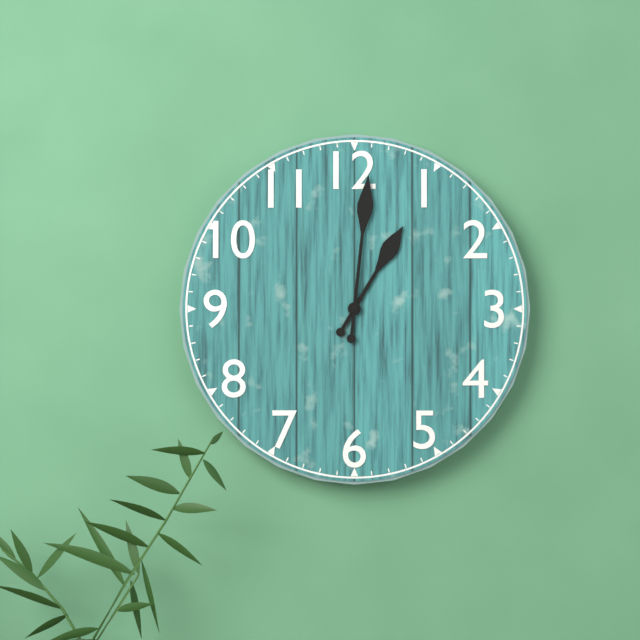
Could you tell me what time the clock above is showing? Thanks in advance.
1:01
